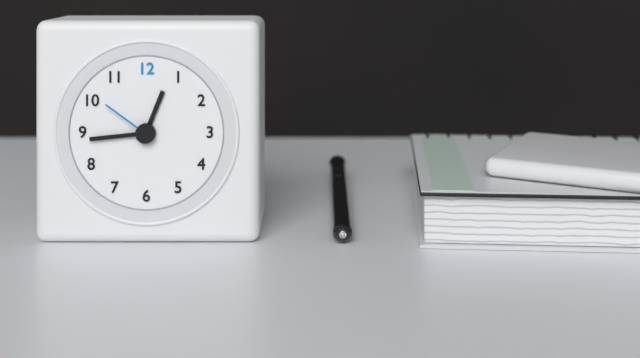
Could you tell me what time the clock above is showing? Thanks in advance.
12:44:51
